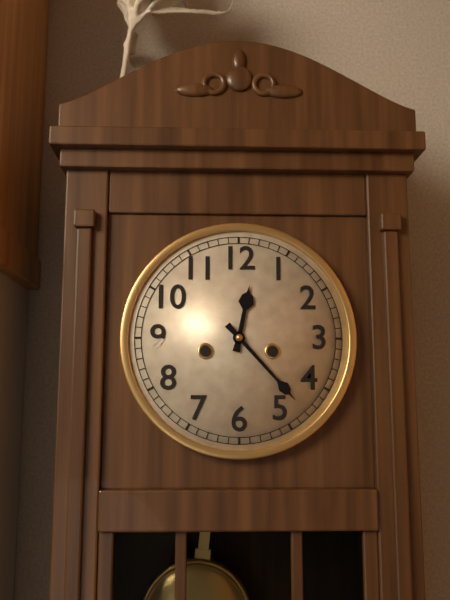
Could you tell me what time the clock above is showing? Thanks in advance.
12:23
